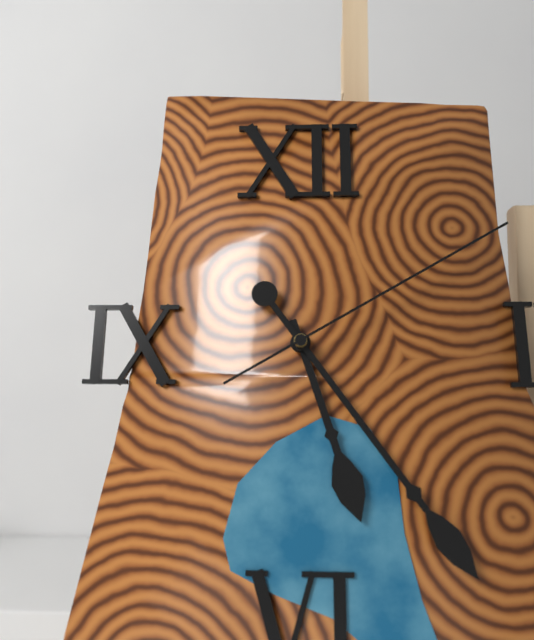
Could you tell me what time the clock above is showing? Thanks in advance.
5:24:10
